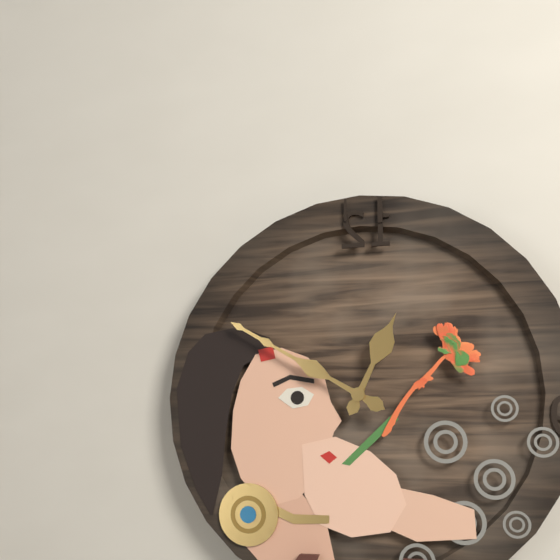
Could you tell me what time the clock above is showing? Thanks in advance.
12:50
